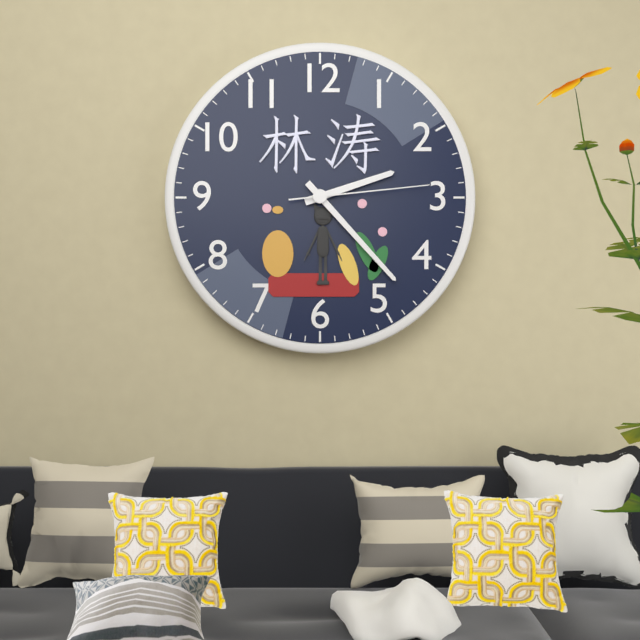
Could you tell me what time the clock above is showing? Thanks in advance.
2:23:14
